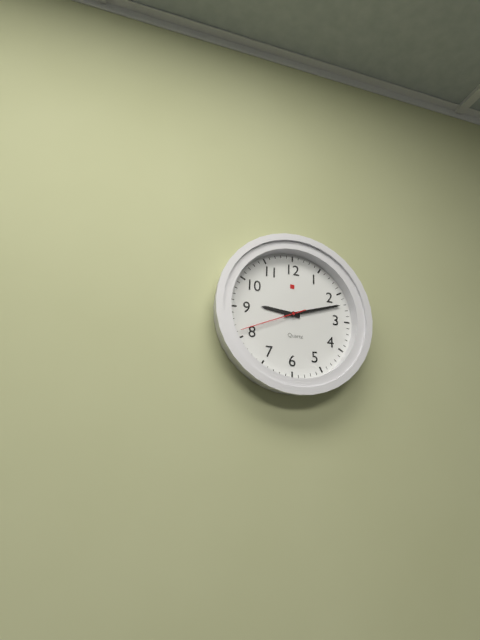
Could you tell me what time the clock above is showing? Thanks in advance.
9:12:41
